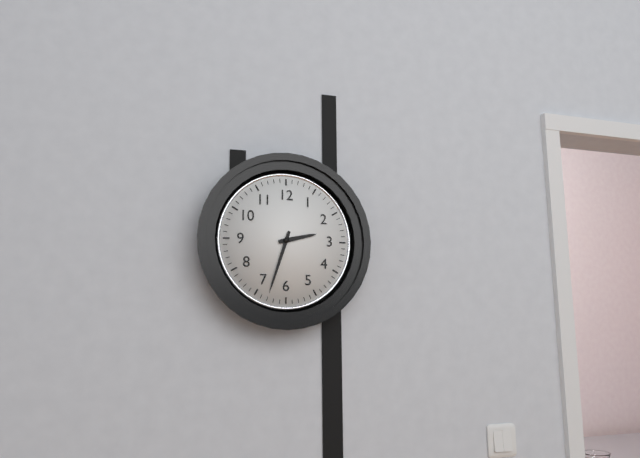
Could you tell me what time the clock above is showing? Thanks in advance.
2:33
